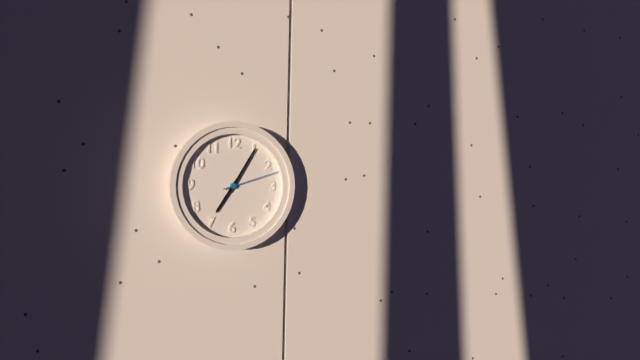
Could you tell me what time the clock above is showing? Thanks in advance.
7:05:12
